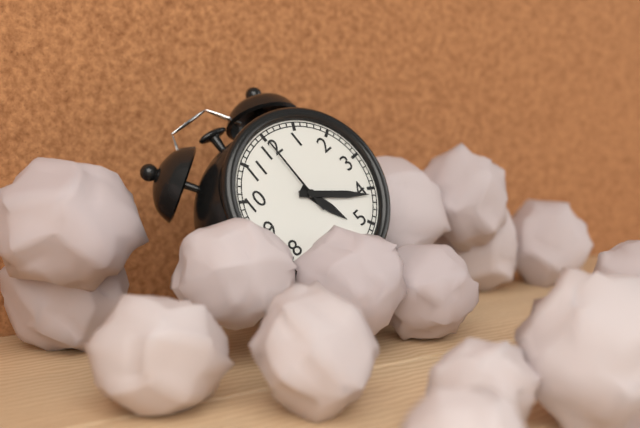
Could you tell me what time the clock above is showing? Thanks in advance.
5:21:00
